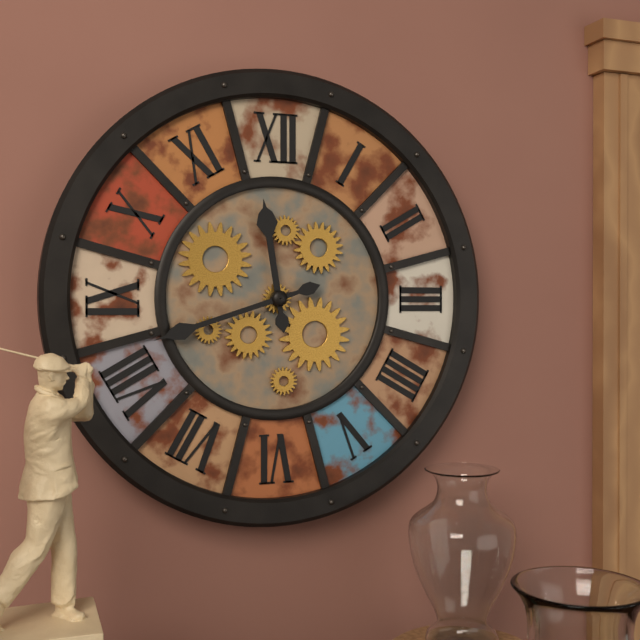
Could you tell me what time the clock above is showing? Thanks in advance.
11:42
